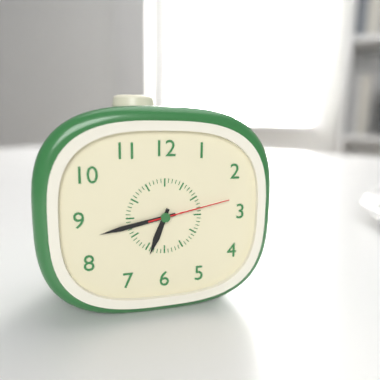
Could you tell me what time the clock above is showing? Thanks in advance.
6:43:13
